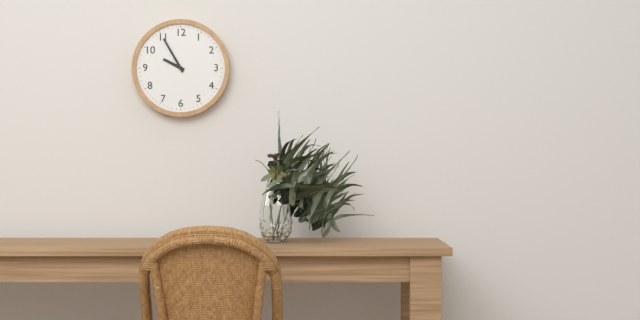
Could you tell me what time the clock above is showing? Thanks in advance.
9:55
